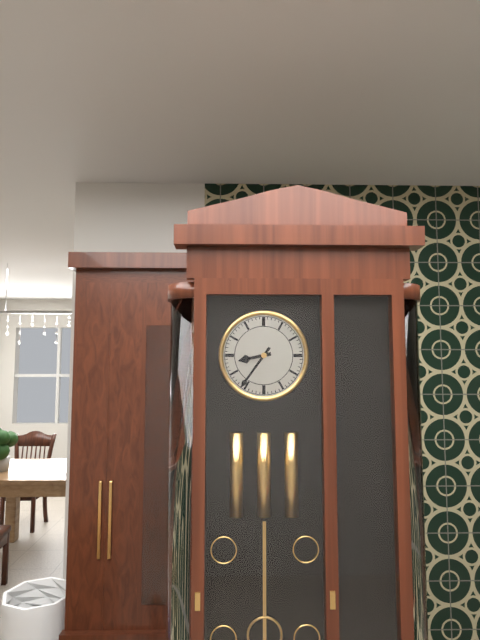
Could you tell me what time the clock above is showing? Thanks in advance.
8:36
